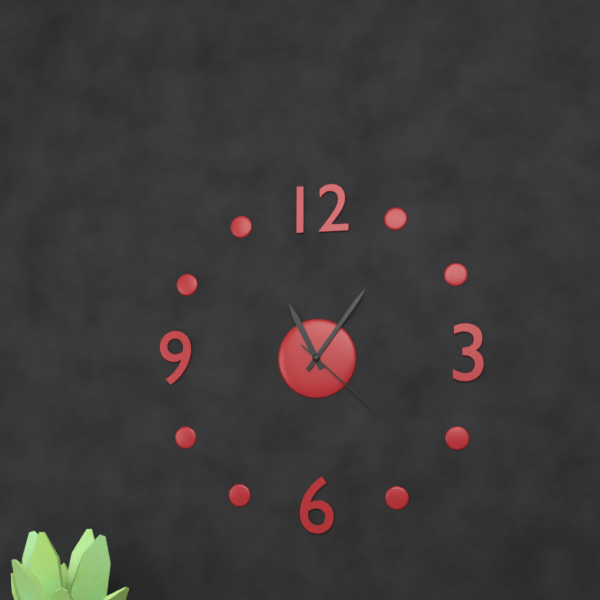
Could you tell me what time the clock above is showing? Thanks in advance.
11:06:22
